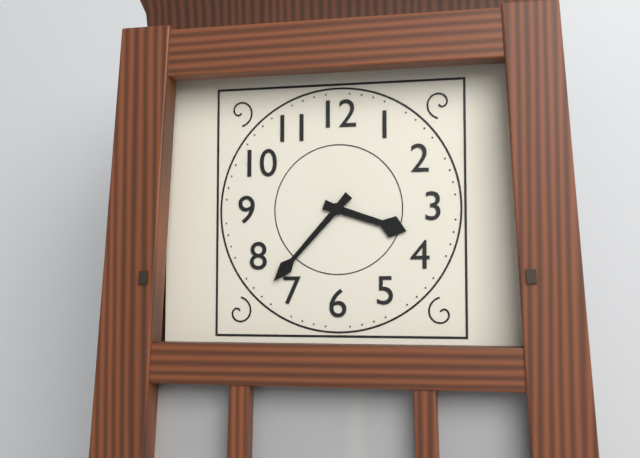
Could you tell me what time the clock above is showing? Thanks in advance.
3:37
